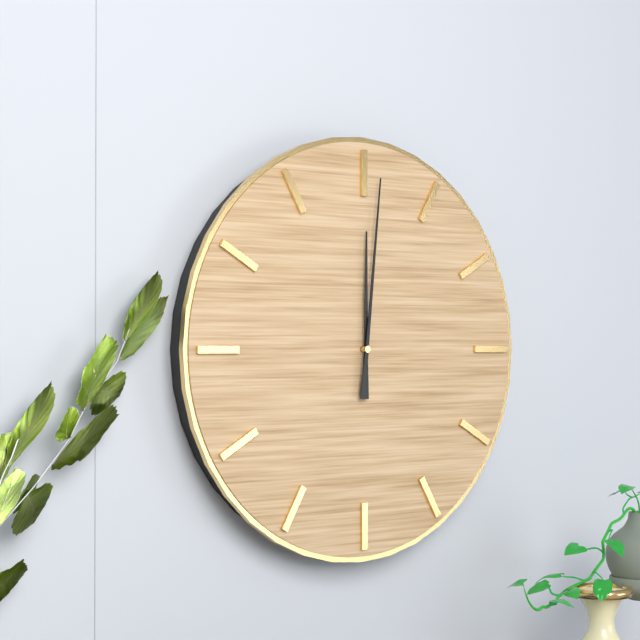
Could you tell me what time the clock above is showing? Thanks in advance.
12:01
